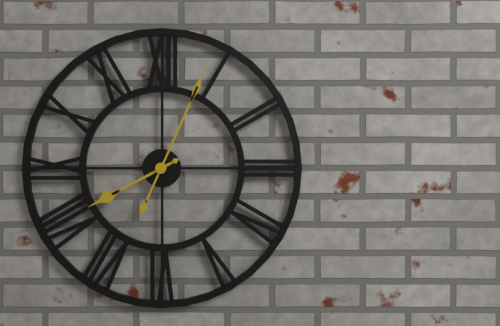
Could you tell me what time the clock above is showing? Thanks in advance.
8:04
